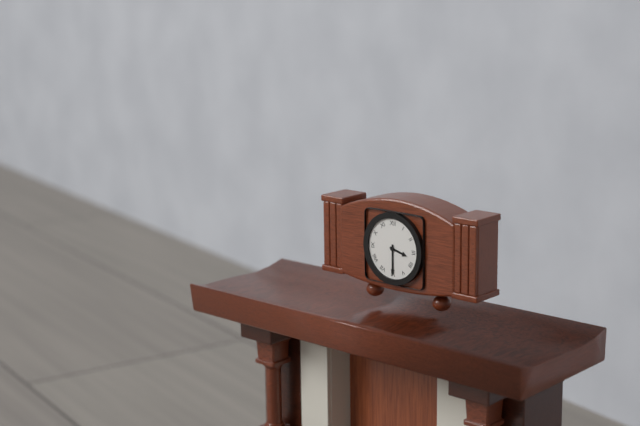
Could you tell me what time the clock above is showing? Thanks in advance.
3:30
